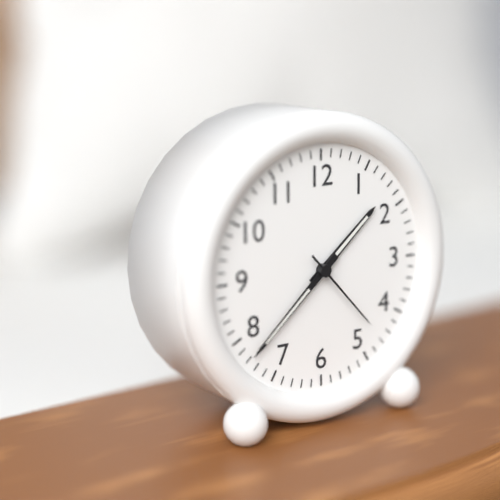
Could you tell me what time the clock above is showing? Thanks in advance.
1:38:23
